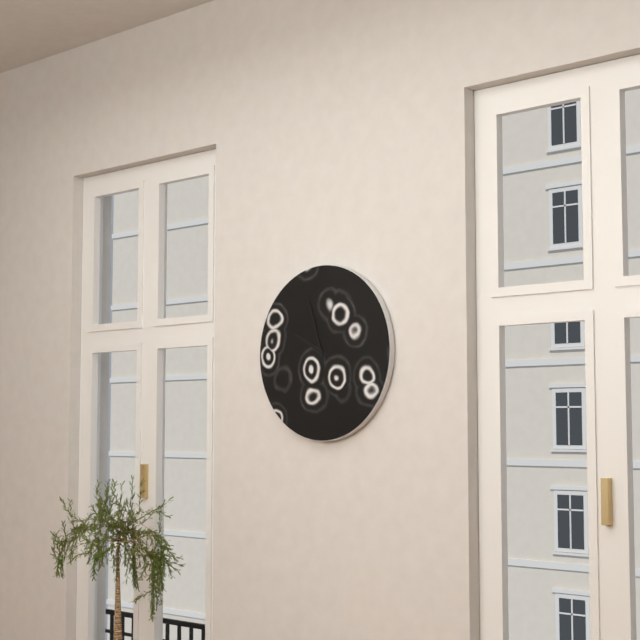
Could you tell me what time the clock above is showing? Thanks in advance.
9:57
